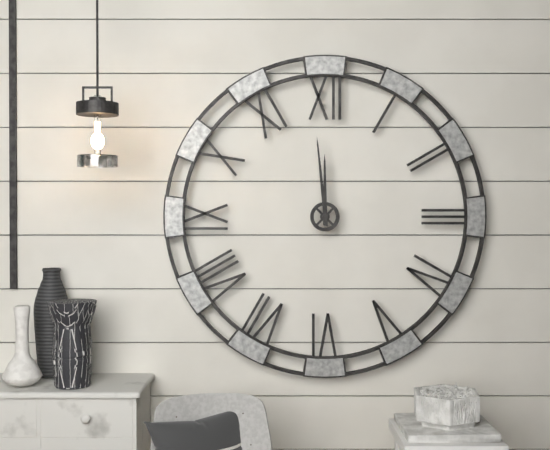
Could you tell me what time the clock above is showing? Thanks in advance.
11:59
